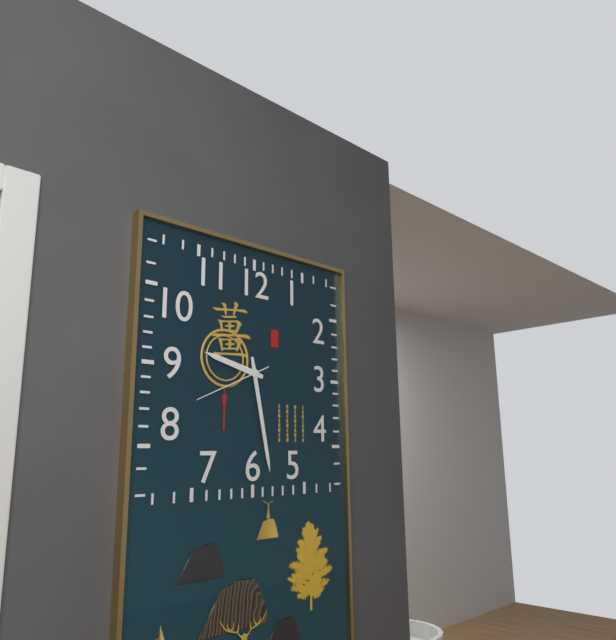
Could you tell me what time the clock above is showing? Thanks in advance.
9:28:41
